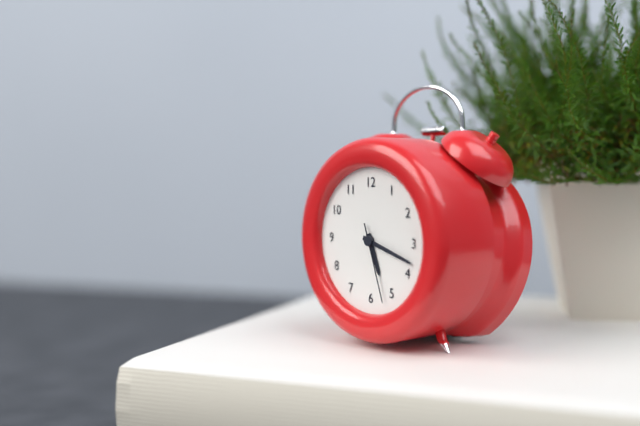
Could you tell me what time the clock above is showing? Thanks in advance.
5:18:27
